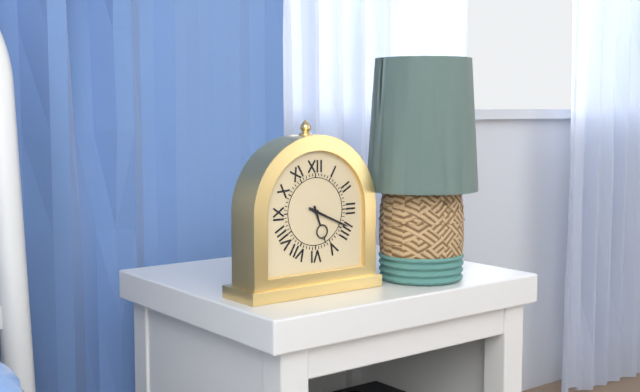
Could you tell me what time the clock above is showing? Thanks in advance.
5:19
